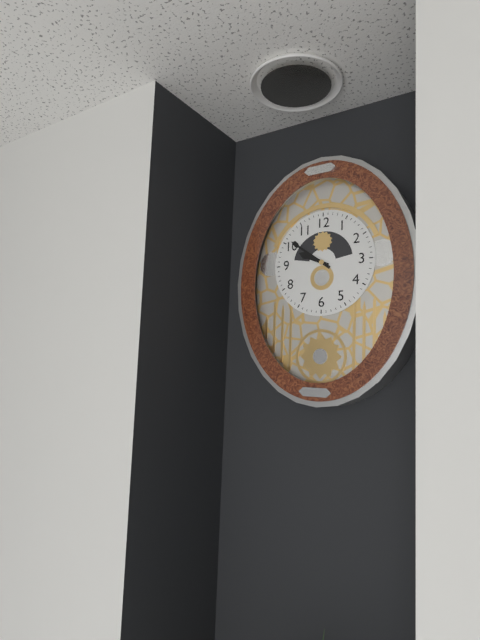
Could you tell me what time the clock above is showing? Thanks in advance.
9:51
